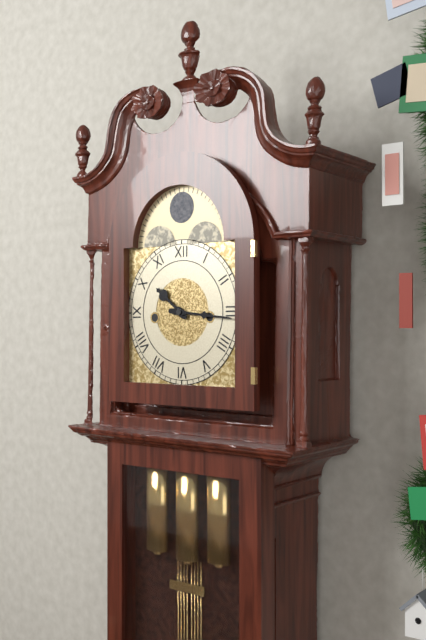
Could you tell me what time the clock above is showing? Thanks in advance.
10:16
